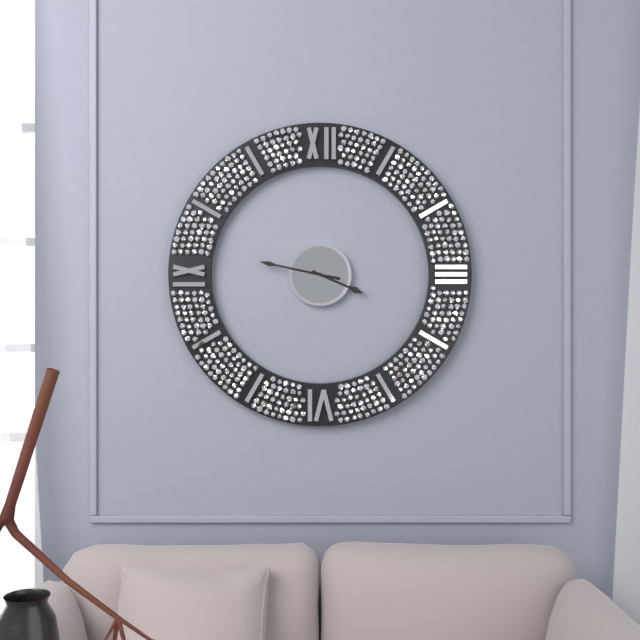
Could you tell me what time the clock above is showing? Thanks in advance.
3:47
